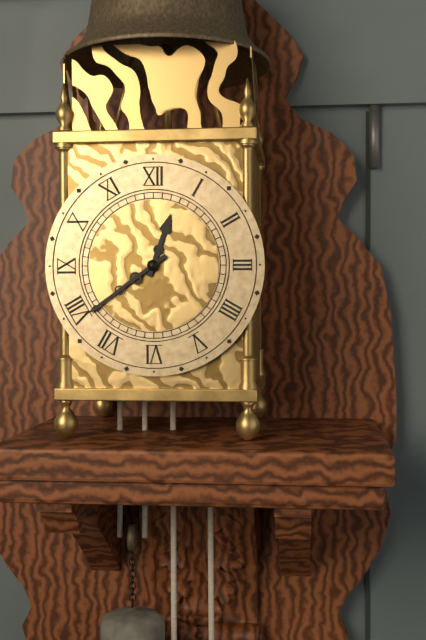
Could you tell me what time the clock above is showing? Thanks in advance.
12:39
